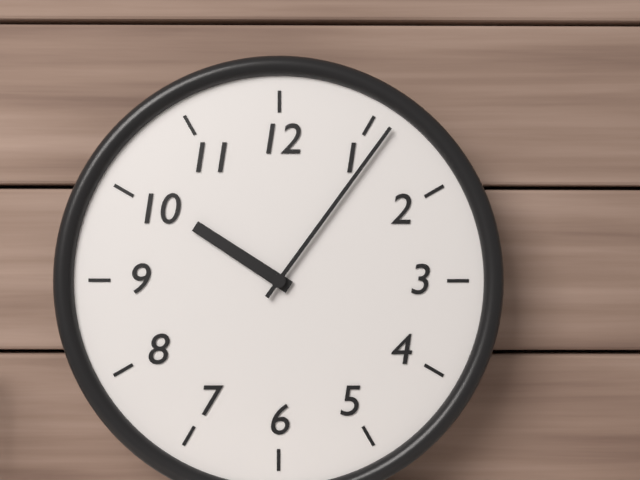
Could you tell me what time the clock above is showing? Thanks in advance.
10:06
